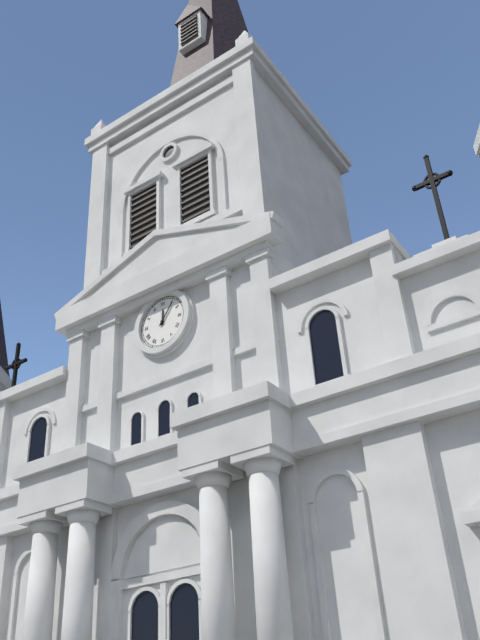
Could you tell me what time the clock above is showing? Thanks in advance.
12:06
